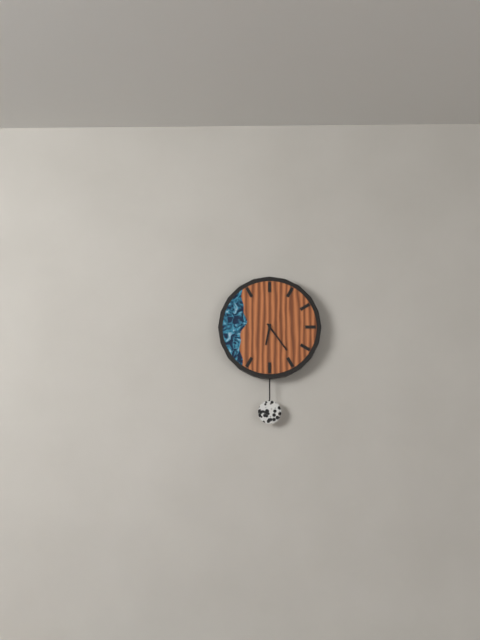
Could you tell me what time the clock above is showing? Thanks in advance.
6:24
